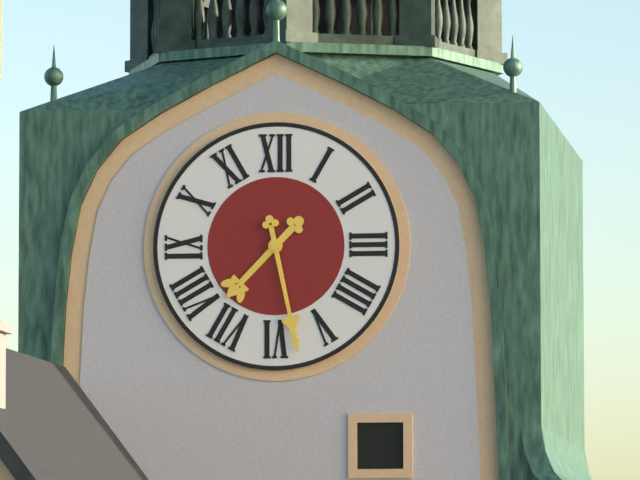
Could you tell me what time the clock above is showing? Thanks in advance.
7:28
